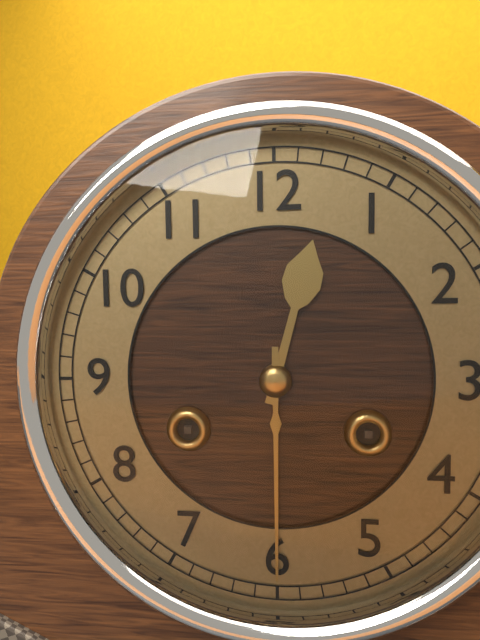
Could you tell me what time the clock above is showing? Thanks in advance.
12:30
